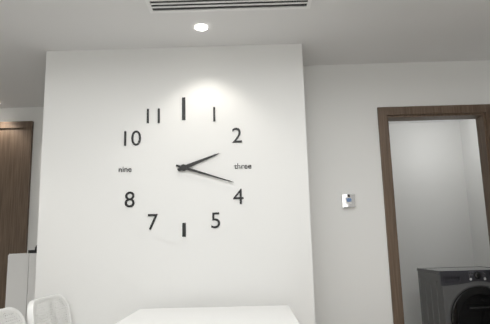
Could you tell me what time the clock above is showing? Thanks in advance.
2:18
